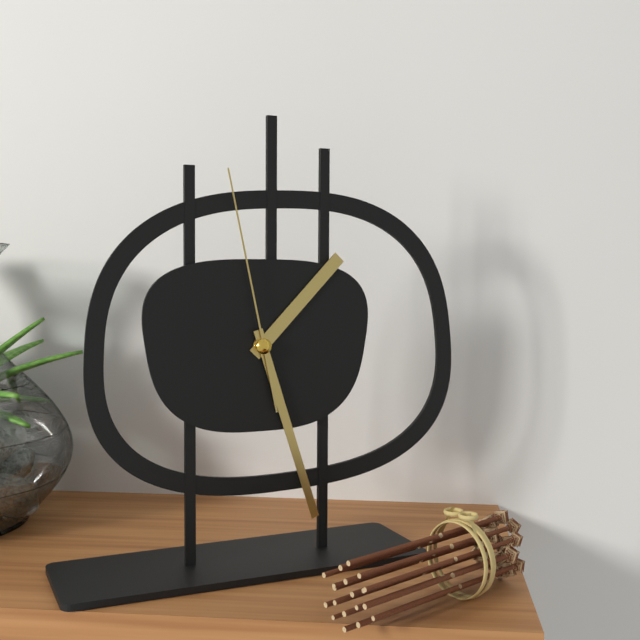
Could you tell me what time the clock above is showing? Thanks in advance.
1:27:58
